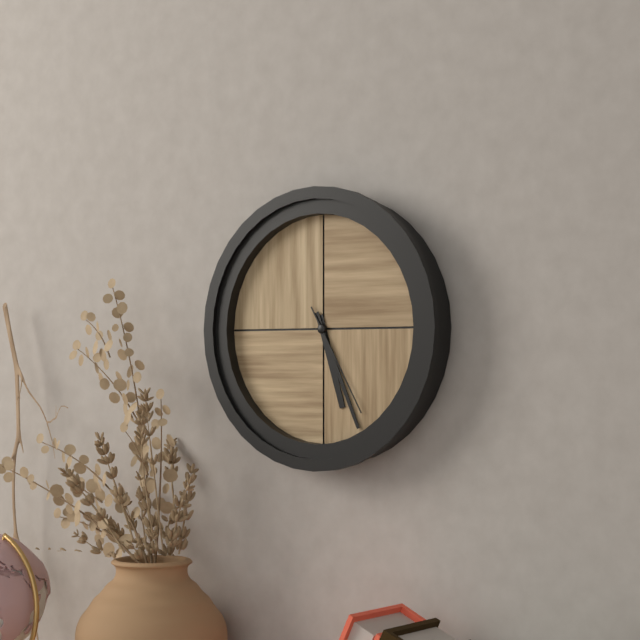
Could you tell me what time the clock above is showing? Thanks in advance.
5:26:25
